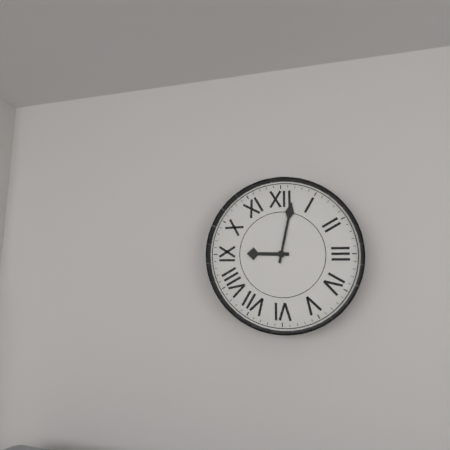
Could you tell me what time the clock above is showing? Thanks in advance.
9:02
